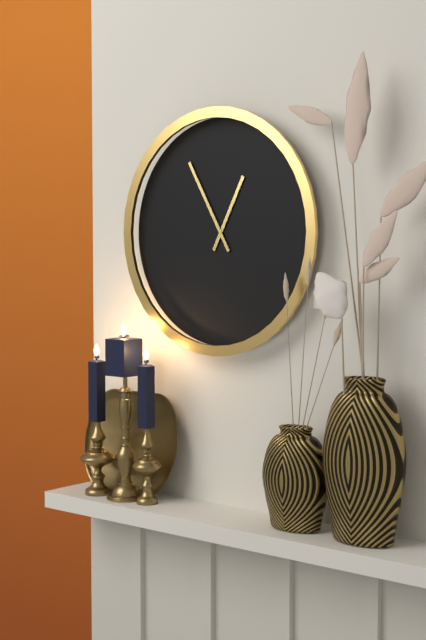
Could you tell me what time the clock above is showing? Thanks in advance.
12:55
